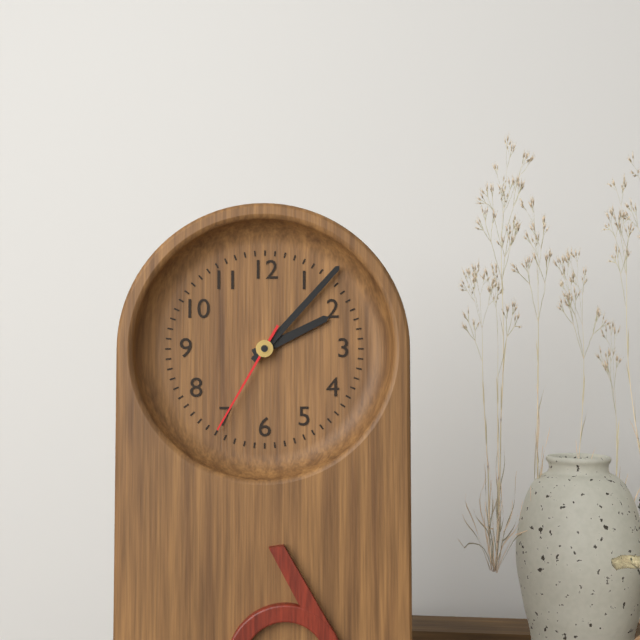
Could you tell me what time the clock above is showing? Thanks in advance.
2:07:35
